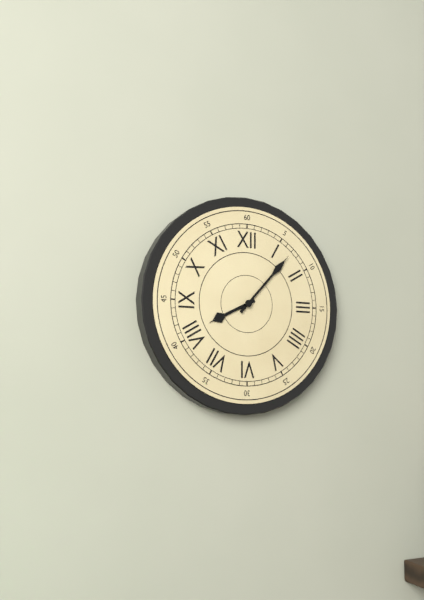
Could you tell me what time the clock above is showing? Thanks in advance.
8:07
